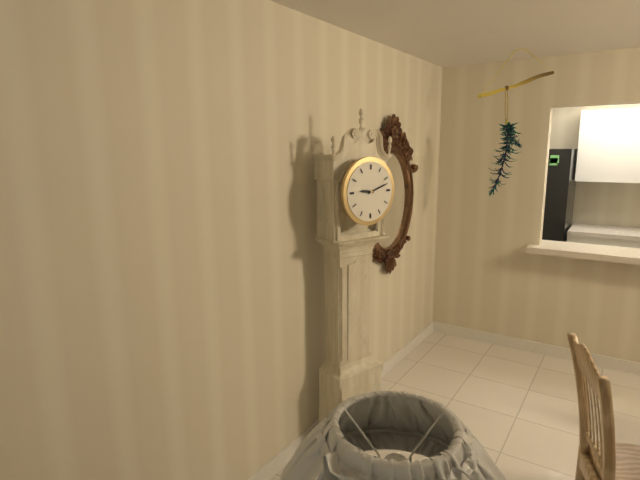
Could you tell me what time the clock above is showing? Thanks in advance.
9:12
